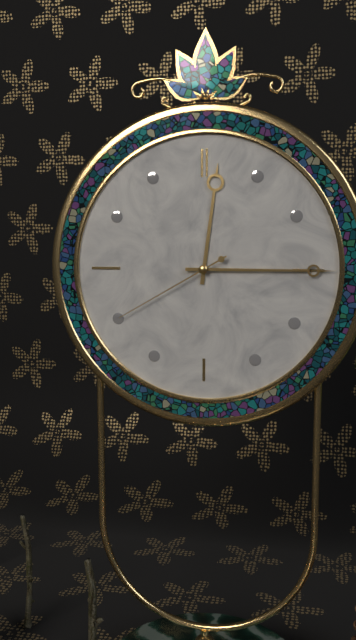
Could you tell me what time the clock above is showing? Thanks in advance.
12:15:40
